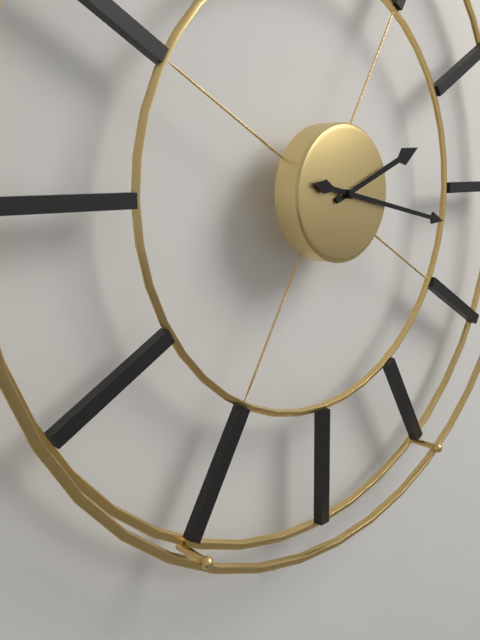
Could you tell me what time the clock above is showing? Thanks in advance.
2:17
